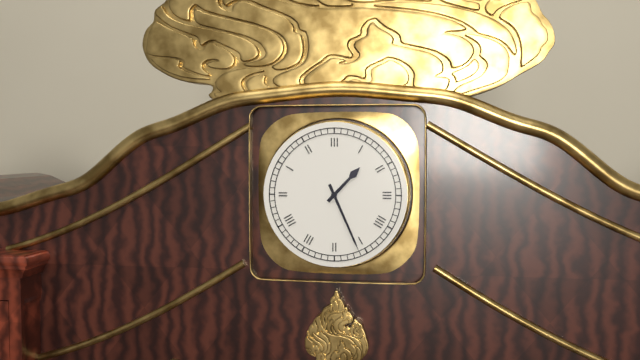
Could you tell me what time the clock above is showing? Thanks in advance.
1:26
